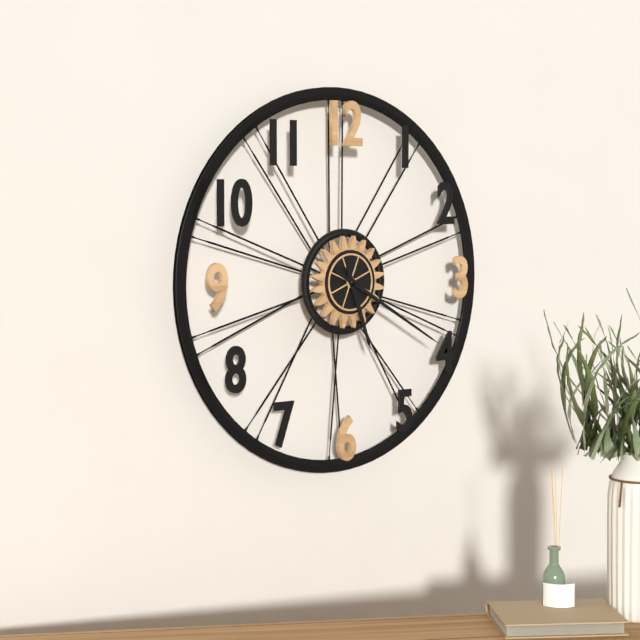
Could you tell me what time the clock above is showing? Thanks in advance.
5:20
